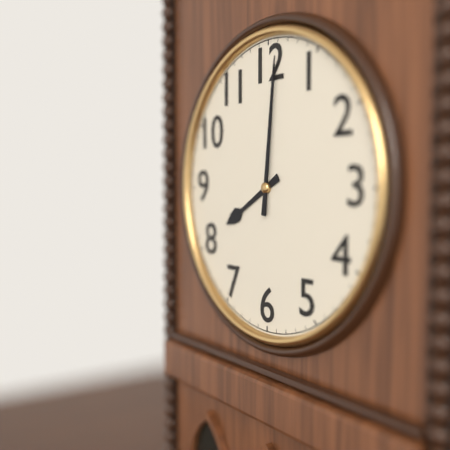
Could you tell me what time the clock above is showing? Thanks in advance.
8:01
